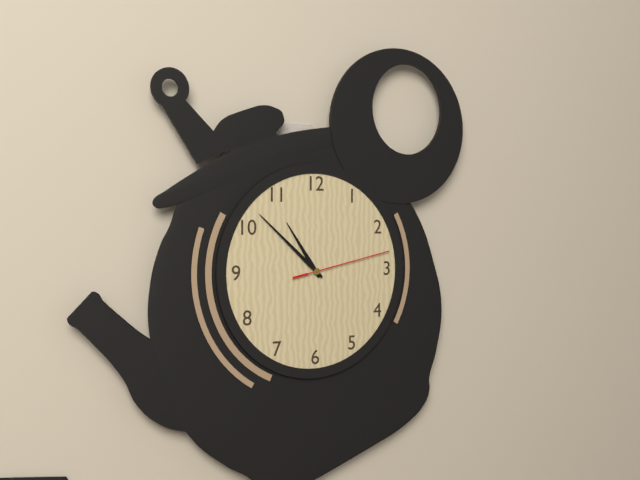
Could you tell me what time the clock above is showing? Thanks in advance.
10:52:13
